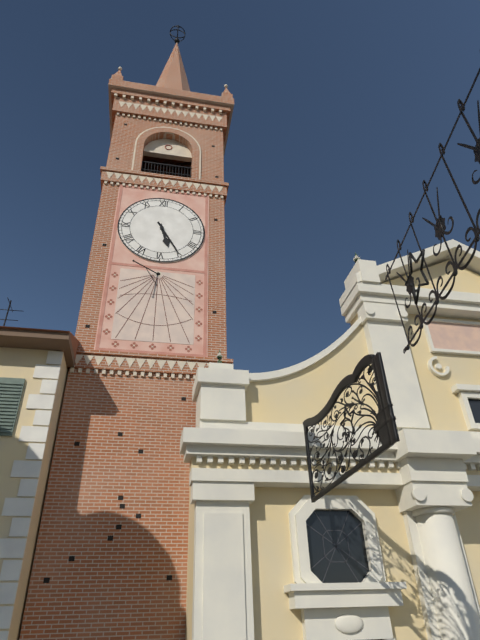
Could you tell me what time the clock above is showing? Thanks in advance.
5:25
